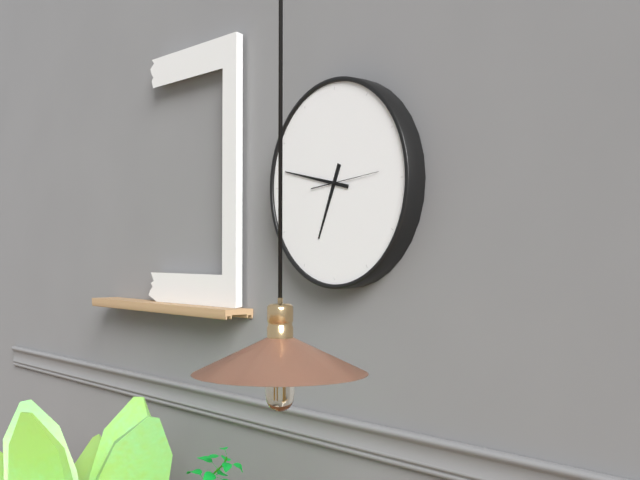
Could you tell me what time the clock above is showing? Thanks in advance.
6:47:14
